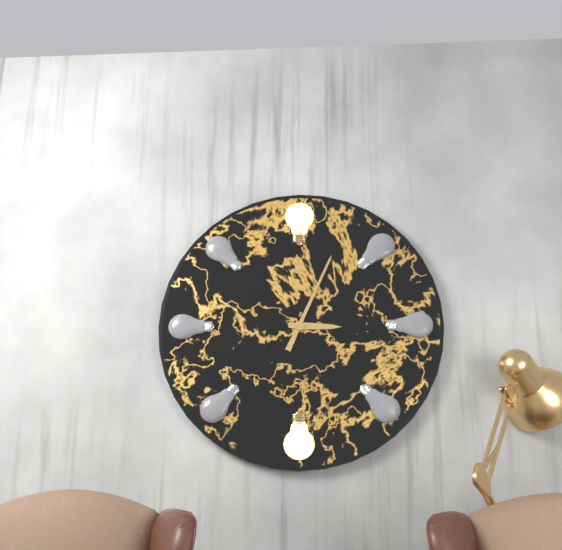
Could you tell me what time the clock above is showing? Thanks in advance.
3:04
